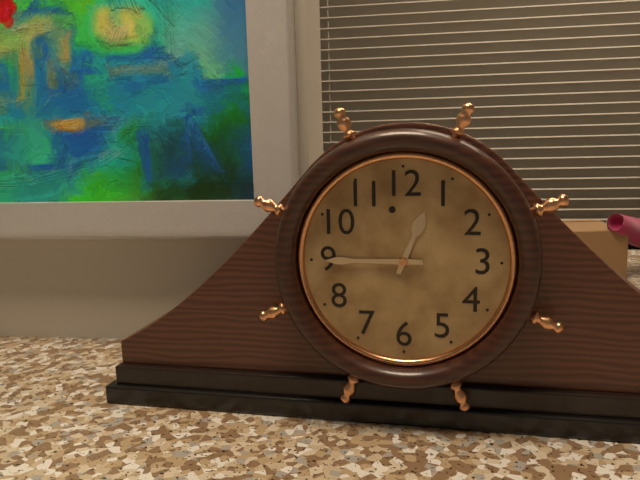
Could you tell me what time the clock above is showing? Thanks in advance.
12:45
